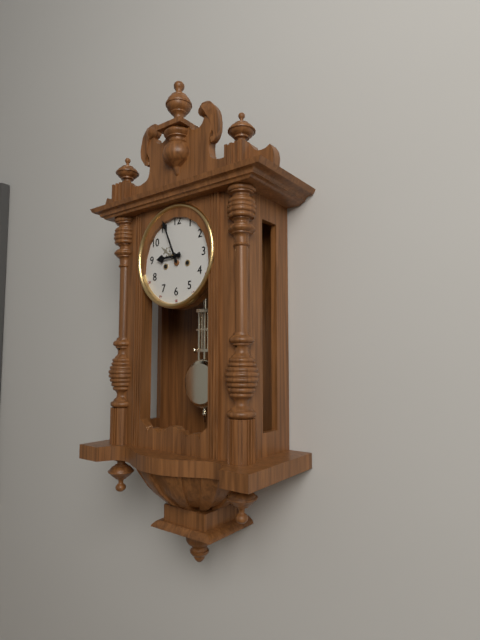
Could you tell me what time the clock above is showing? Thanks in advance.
8:56
